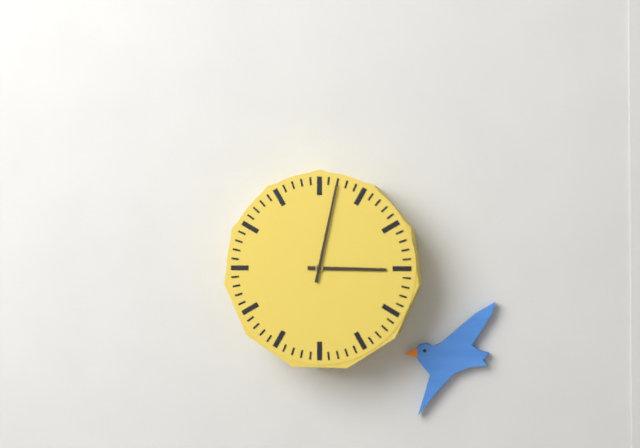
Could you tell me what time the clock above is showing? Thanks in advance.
3:02
